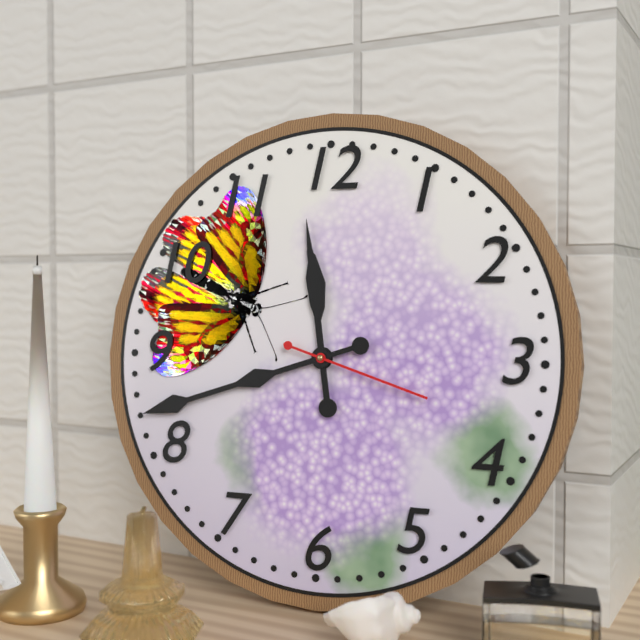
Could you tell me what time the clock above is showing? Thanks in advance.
11:42:18
